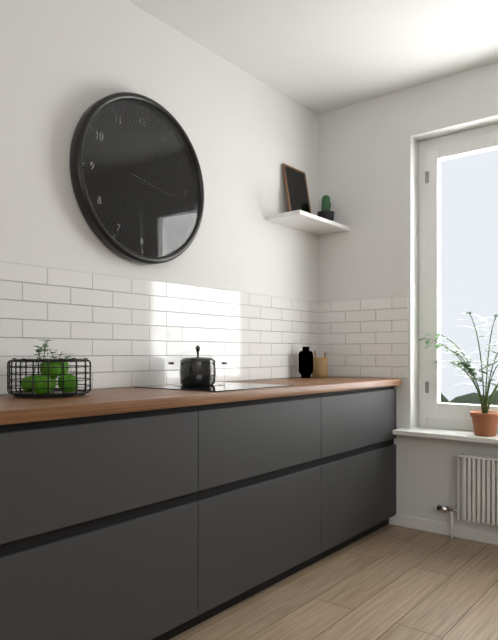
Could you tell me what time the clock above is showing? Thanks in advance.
2:16:17
